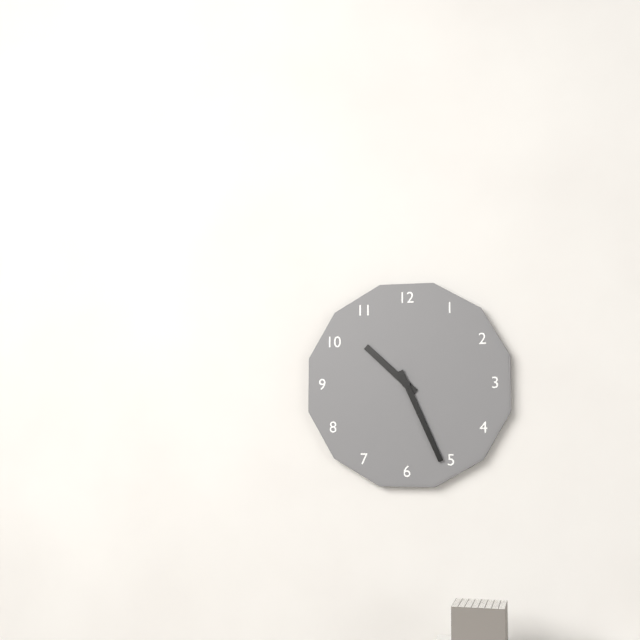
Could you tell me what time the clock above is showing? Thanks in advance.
10:26
